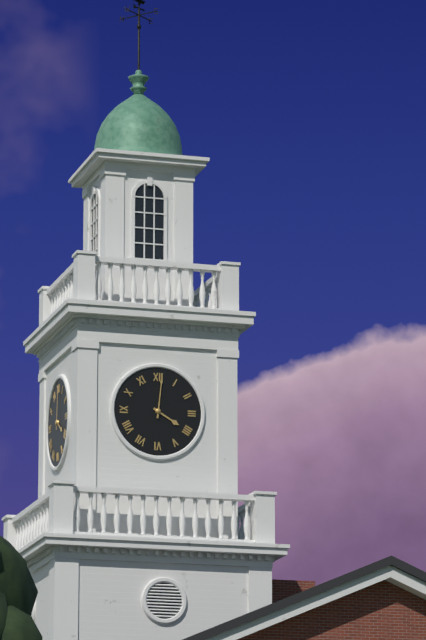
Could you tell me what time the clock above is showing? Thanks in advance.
4:01
